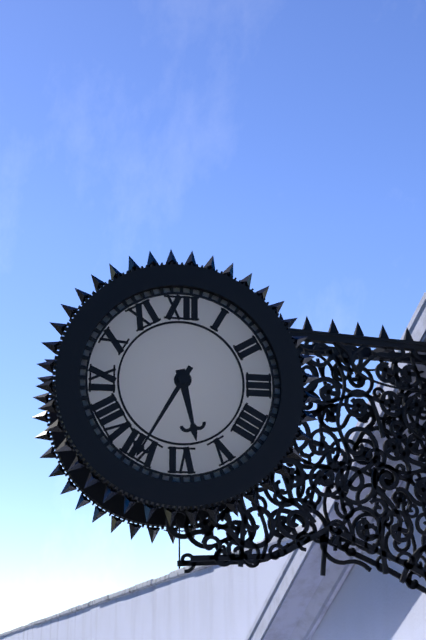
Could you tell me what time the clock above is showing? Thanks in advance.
5:35
